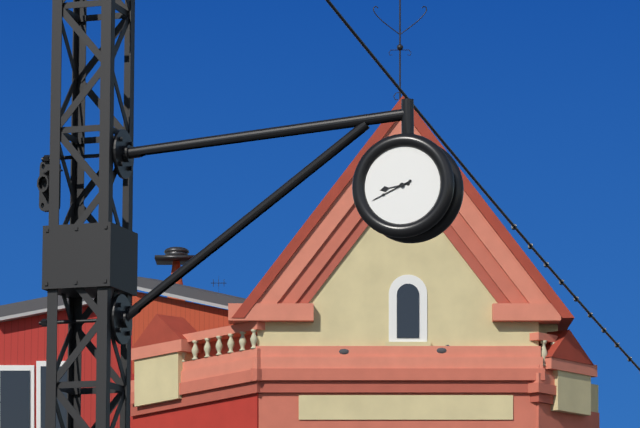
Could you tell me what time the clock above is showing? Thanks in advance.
8:41
